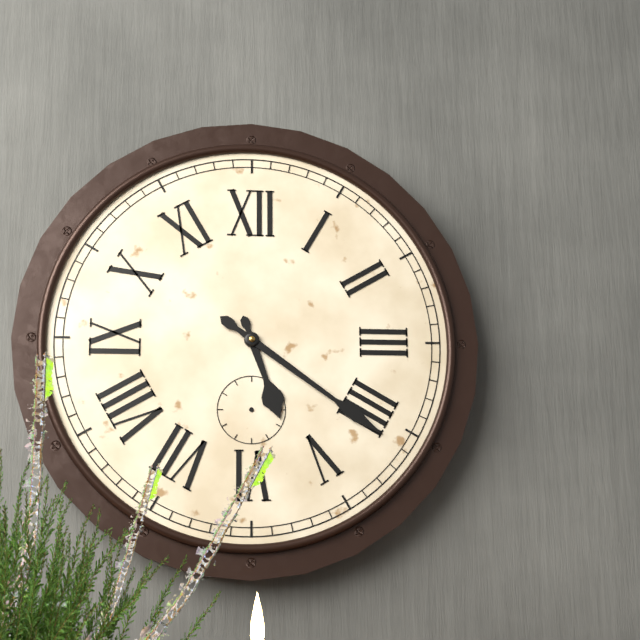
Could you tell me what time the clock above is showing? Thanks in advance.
5:21
